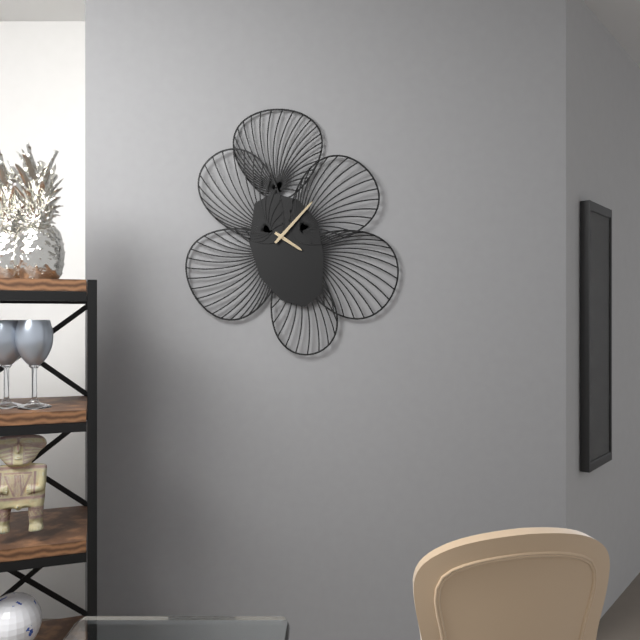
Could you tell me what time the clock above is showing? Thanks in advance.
4:07
